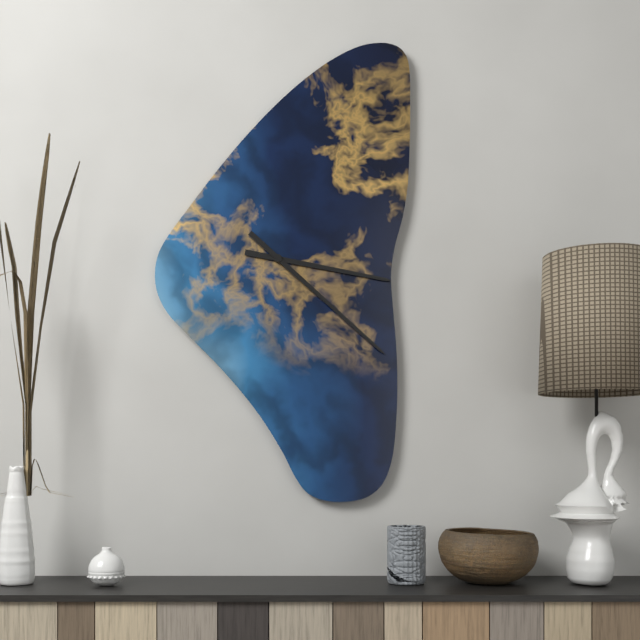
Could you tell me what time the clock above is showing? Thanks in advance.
3:22
